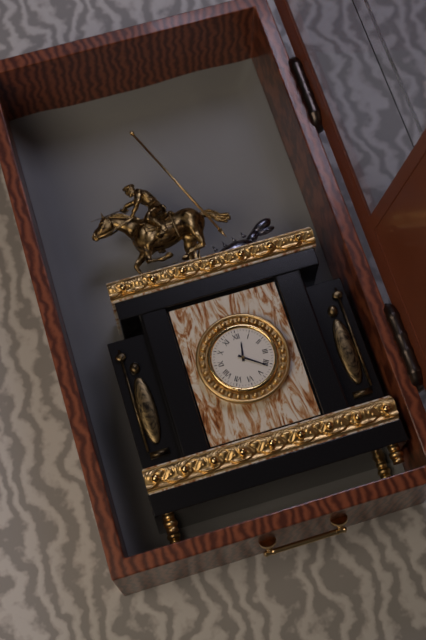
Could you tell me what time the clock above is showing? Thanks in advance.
12:21
